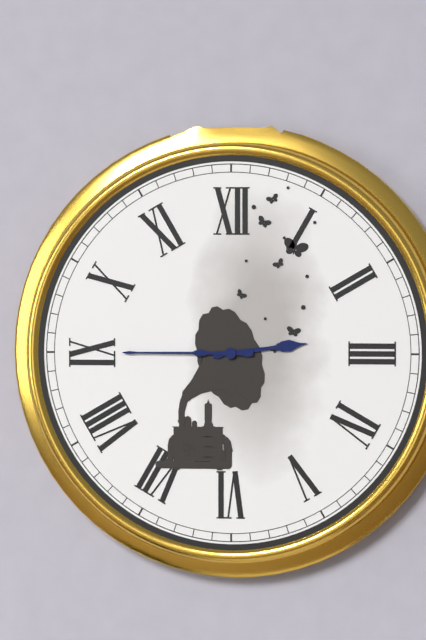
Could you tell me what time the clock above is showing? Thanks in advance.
2:45
